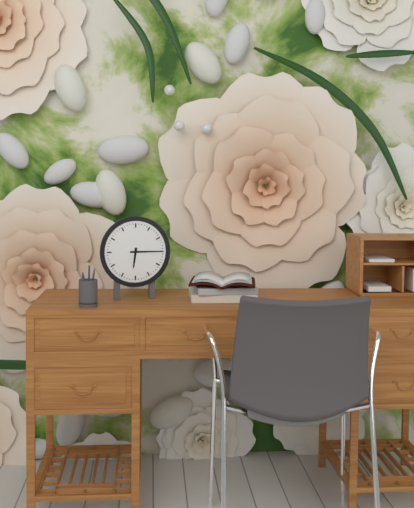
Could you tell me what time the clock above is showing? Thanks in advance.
6:15
